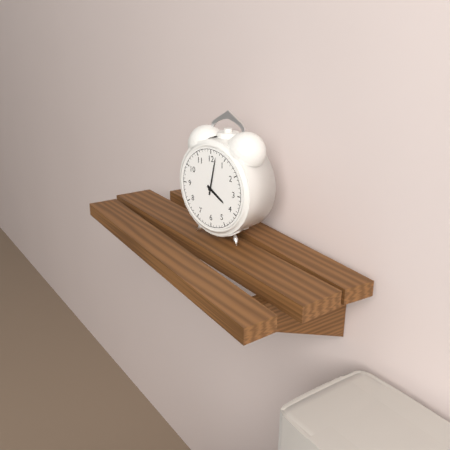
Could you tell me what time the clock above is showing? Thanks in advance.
4:02
